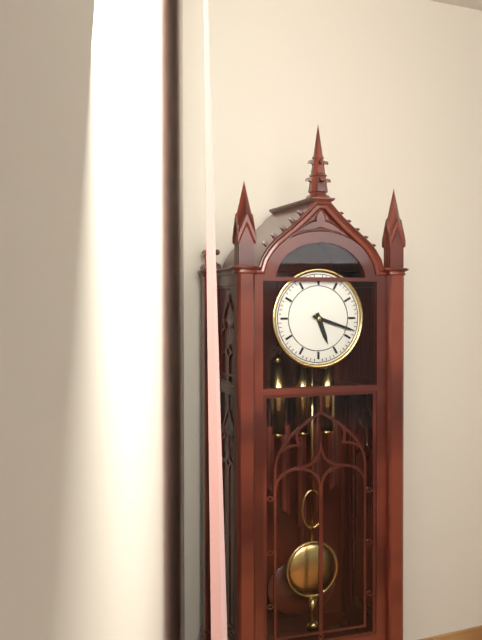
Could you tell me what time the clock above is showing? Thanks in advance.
5:18
